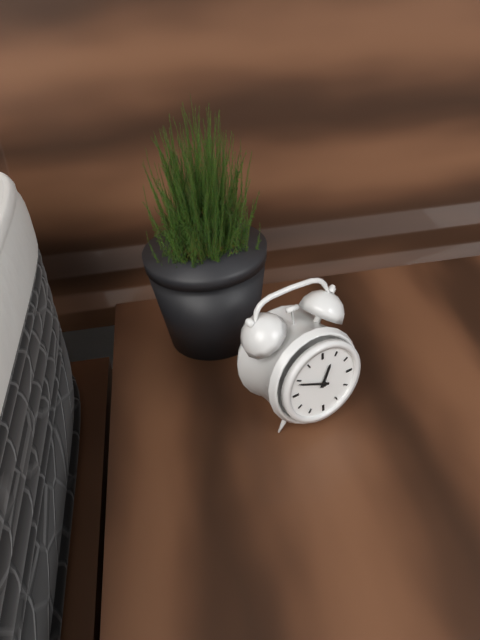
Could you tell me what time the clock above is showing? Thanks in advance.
12:49
